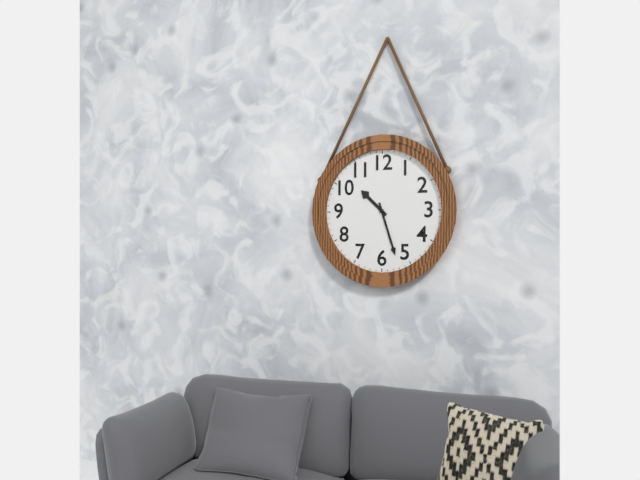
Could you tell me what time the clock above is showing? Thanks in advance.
10:27
